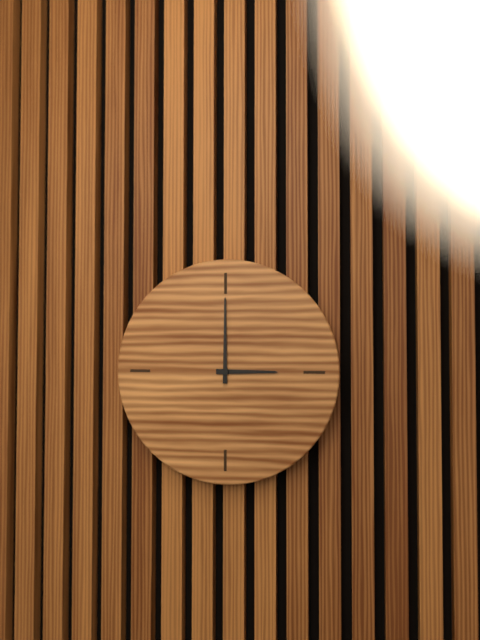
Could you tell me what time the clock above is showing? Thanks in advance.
3:00
